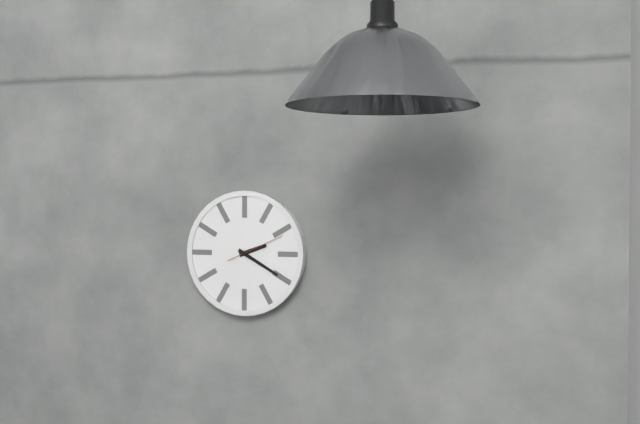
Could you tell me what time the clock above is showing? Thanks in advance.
2:20:11
